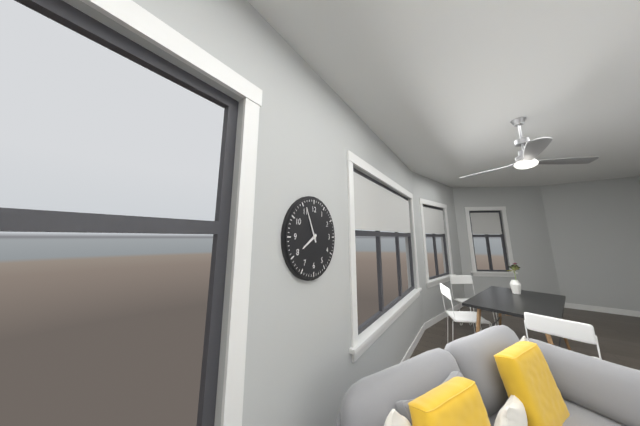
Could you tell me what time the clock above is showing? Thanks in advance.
7:56
